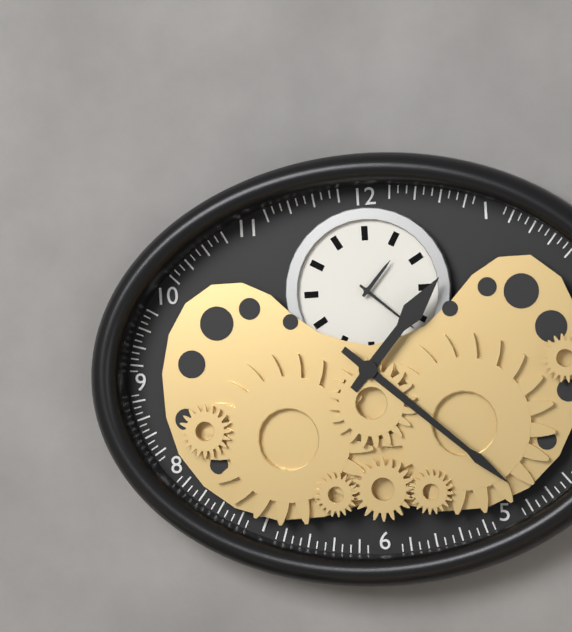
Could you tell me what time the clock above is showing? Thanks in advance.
1:22
